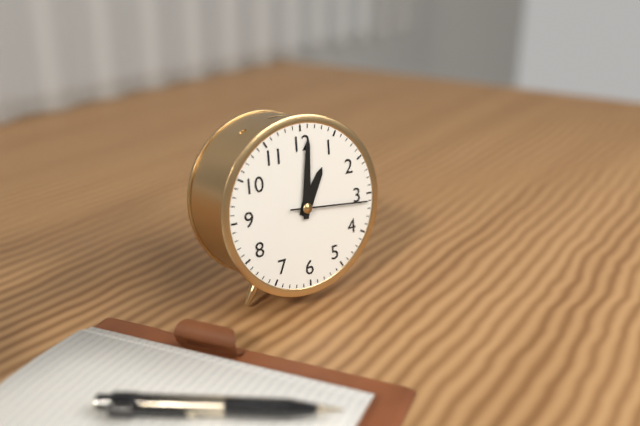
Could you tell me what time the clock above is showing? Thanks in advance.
1:01:16
